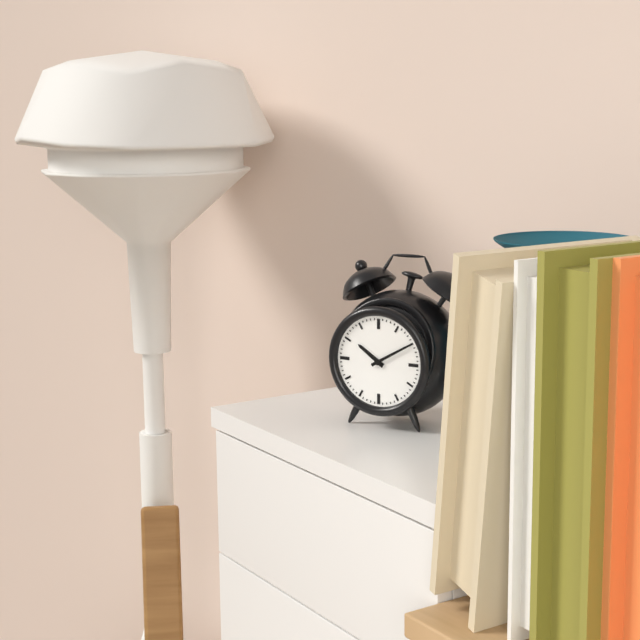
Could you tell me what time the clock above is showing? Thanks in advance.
10:10
